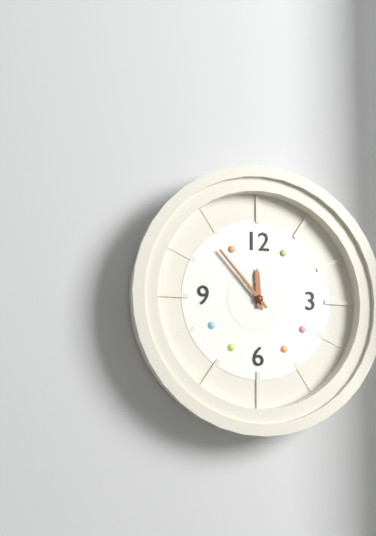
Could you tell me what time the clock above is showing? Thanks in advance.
11:53
